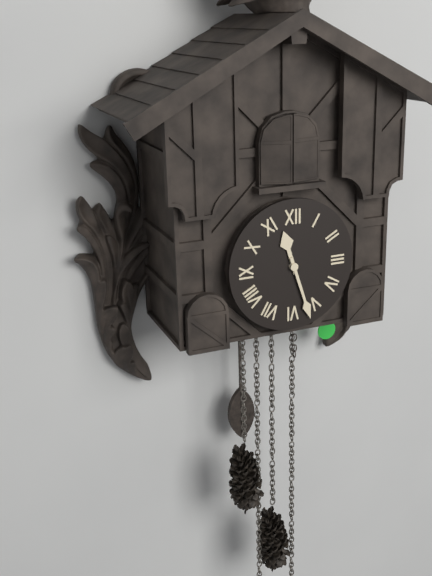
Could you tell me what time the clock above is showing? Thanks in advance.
11:27
